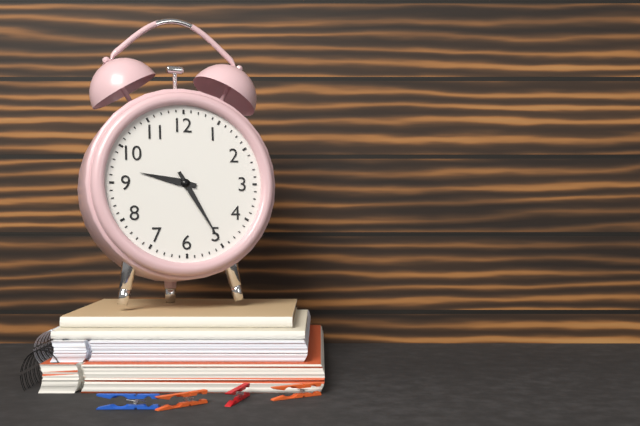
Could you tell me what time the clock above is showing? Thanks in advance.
9:25
